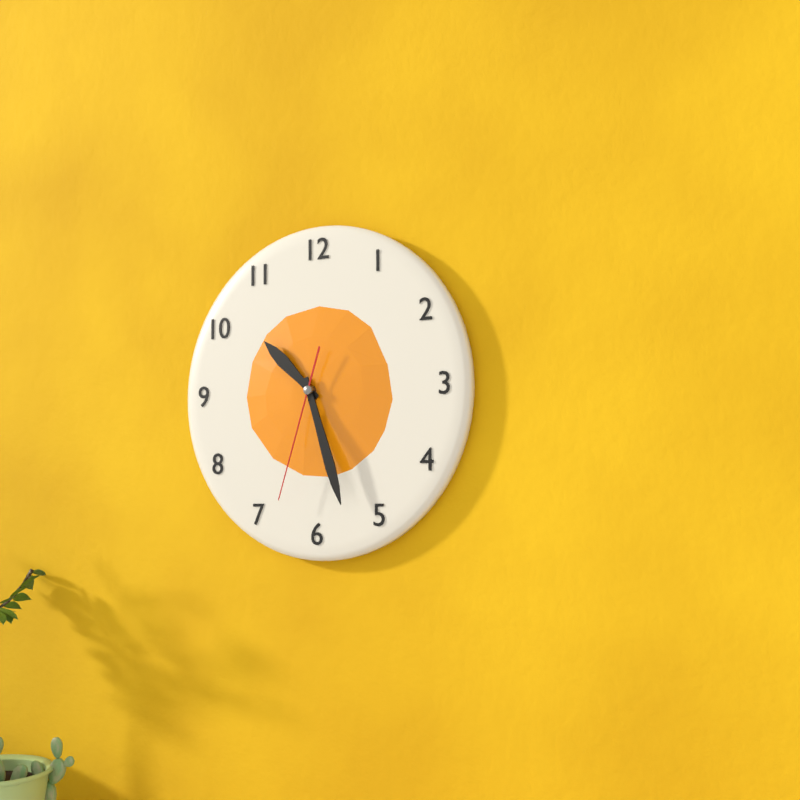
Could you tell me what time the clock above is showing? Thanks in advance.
10:27:33
